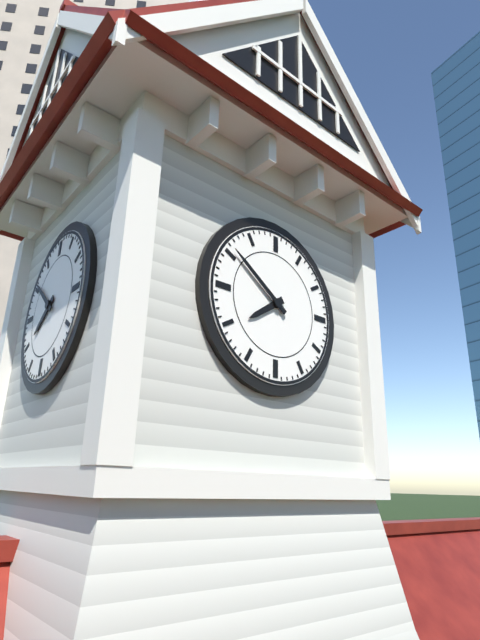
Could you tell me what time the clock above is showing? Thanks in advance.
7:51
